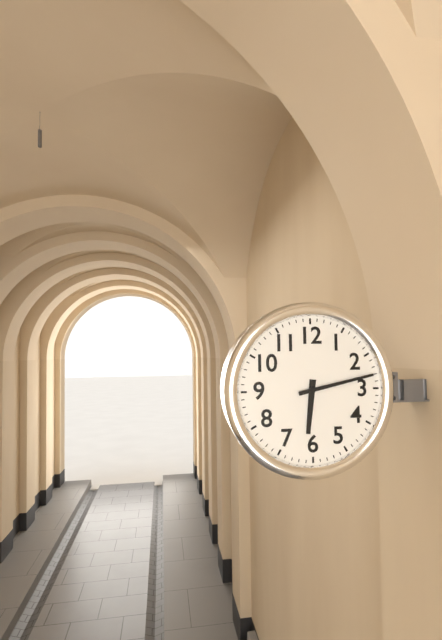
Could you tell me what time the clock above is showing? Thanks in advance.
6:13
